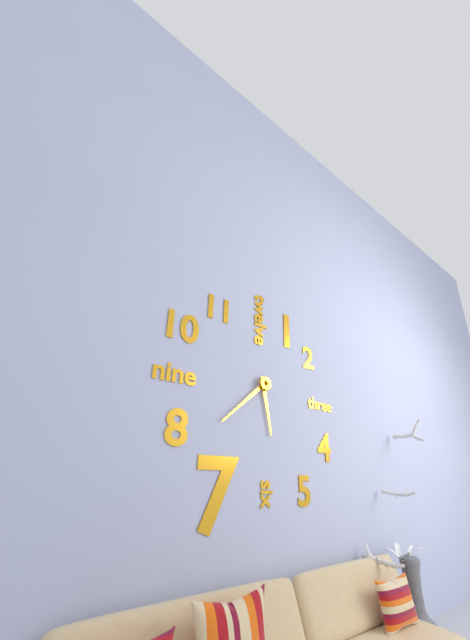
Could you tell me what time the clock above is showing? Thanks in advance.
5:38
